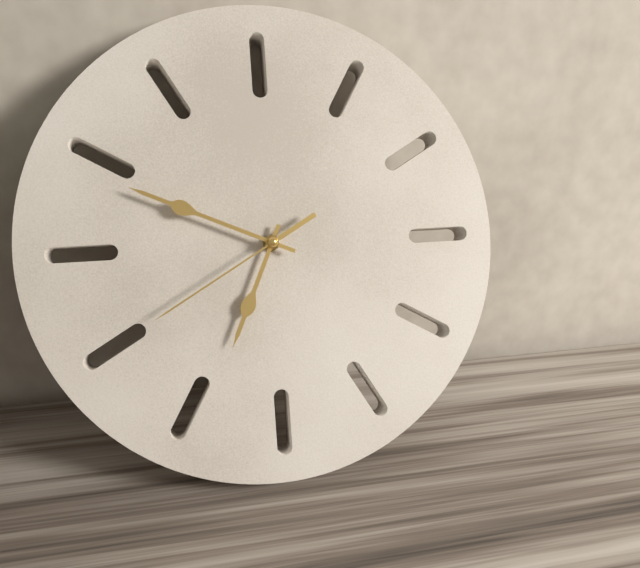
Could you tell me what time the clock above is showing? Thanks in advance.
6:49:40
